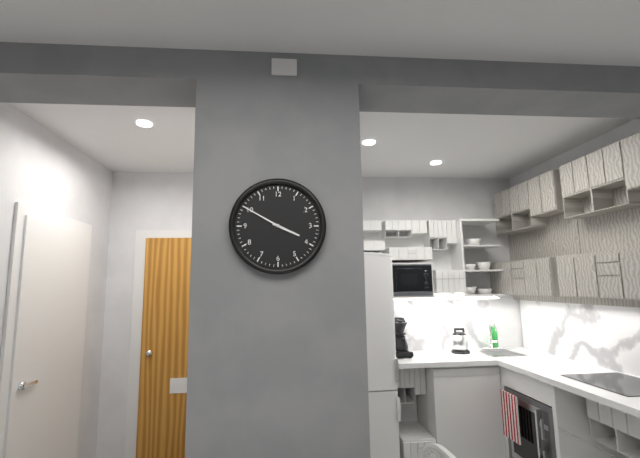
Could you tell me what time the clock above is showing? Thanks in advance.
3:50
